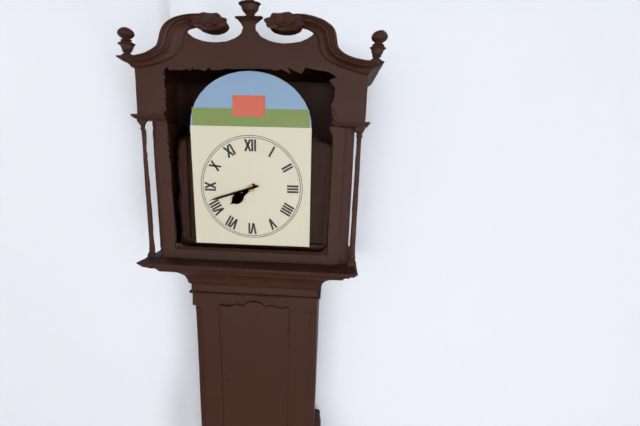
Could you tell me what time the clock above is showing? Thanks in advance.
7:42
